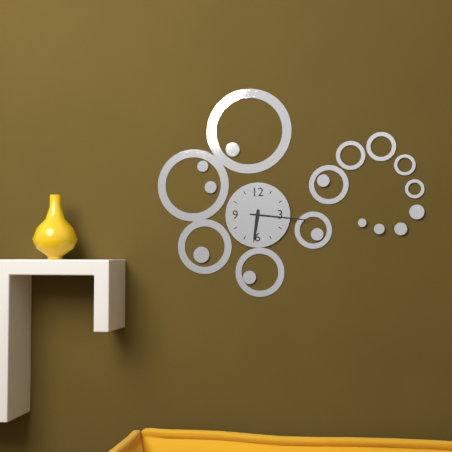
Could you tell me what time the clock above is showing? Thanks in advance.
6:16
